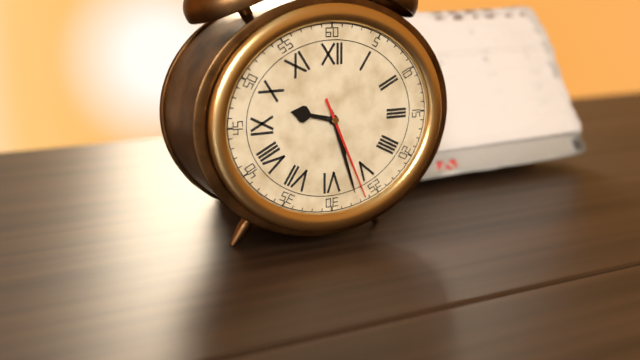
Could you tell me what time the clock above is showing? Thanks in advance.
9:27:26
